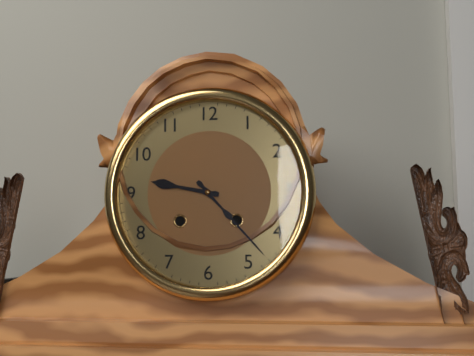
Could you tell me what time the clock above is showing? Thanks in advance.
9:23
